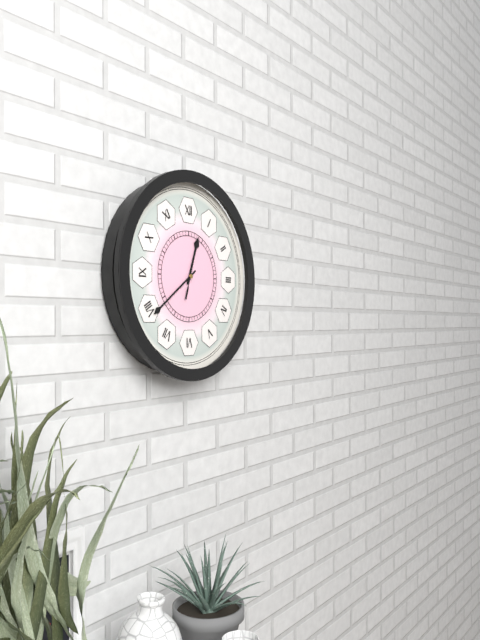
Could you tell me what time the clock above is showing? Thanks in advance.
12:39:03
